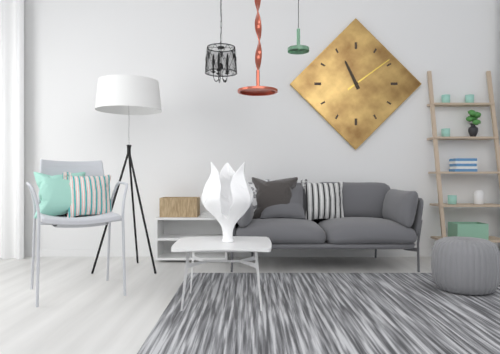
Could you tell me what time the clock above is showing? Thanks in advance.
11:09
